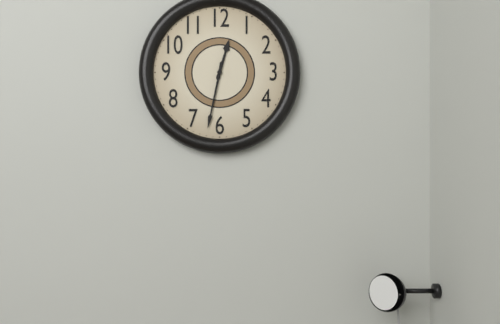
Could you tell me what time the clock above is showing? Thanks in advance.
12:32
